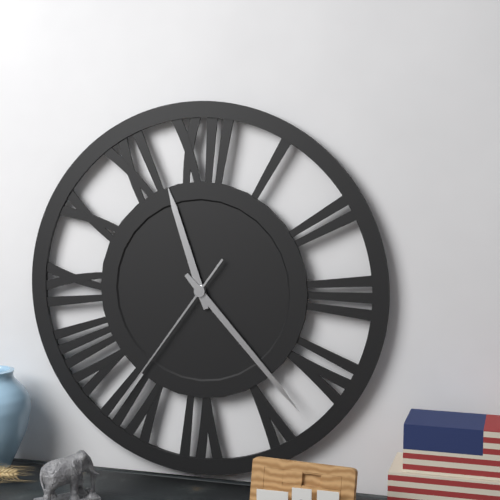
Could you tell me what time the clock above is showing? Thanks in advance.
11:23:36
